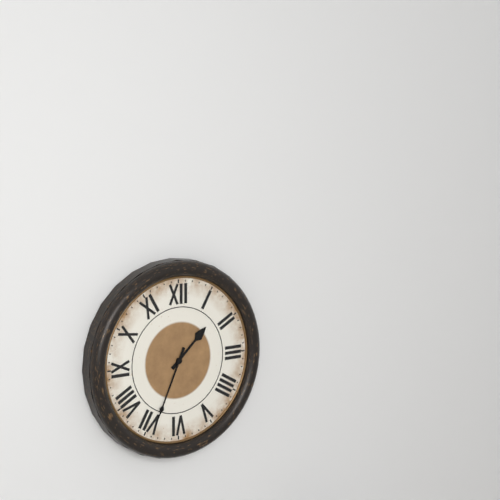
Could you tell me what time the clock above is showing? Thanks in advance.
1:34
